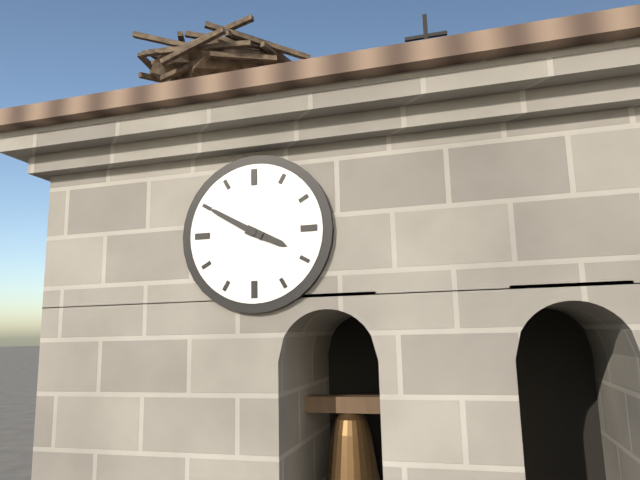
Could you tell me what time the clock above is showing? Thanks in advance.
3:50
